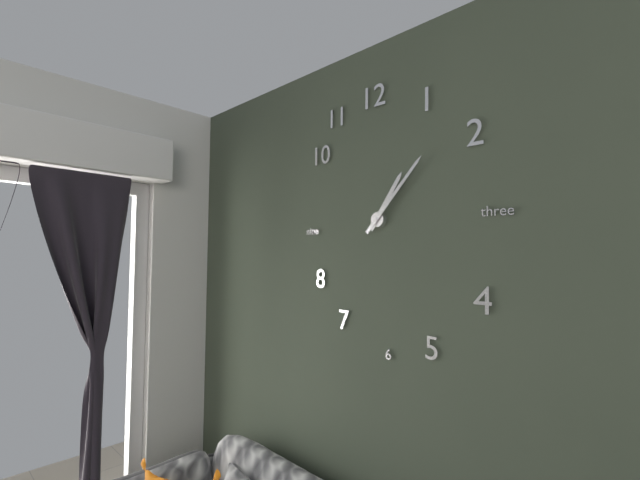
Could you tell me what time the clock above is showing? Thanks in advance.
1:07
